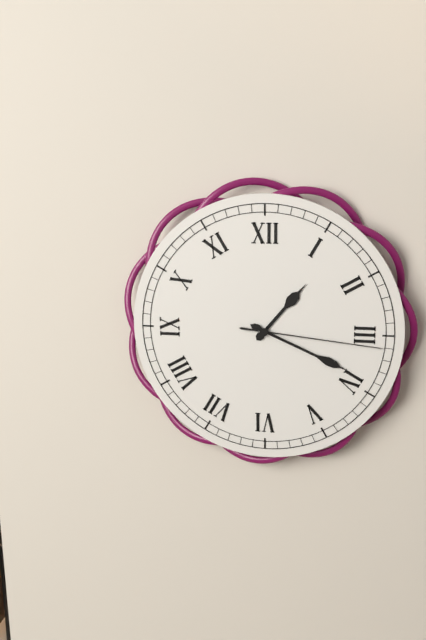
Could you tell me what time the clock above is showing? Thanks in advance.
1:19:16
